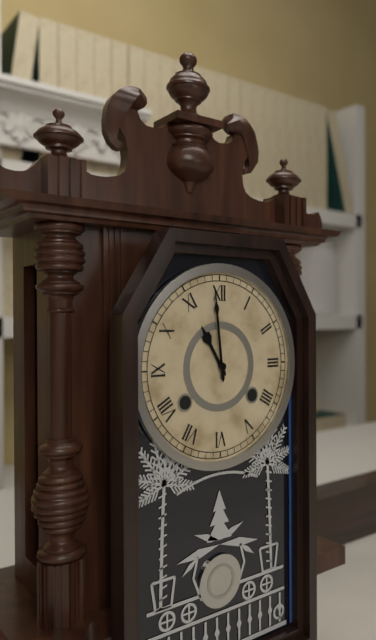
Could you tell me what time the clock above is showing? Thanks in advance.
10:59
